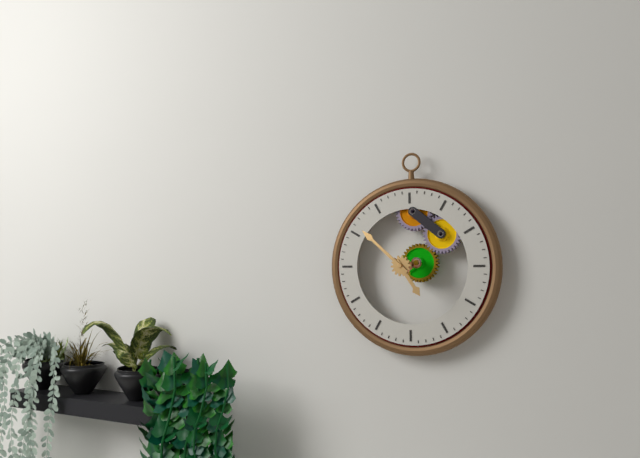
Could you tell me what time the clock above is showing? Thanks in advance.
4:52
